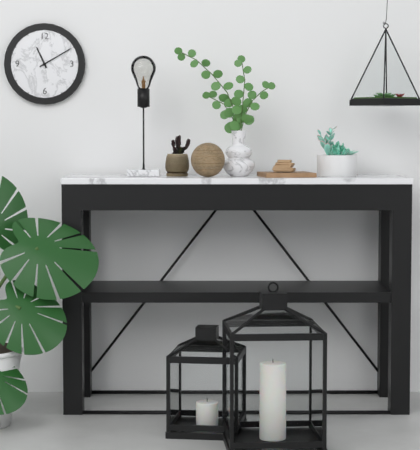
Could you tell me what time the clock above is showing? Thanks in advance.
11:10
